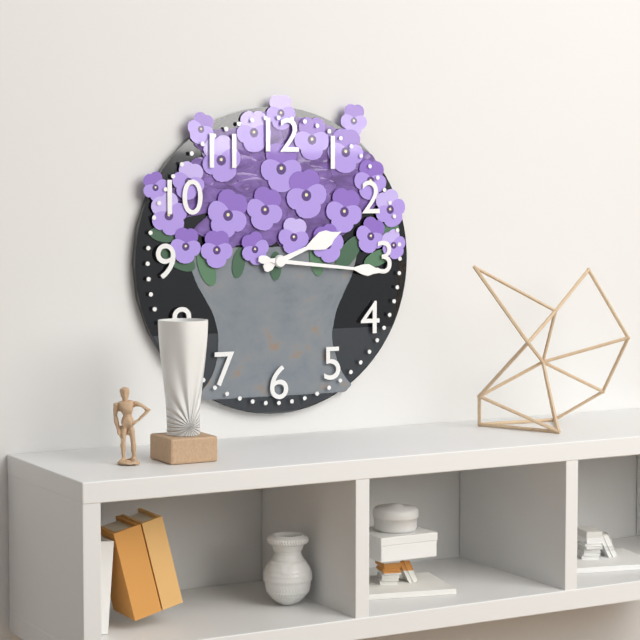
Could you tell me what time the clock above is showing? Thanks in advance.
2:16
